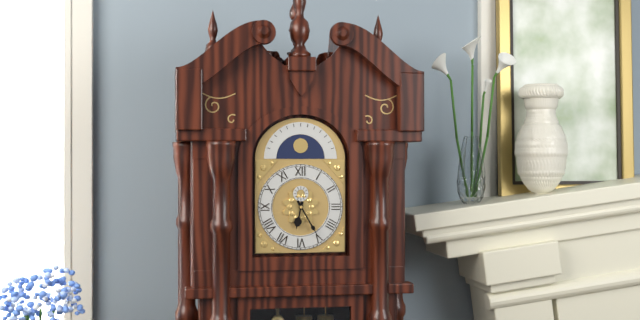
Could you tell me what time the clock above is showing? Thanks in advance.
6:25
